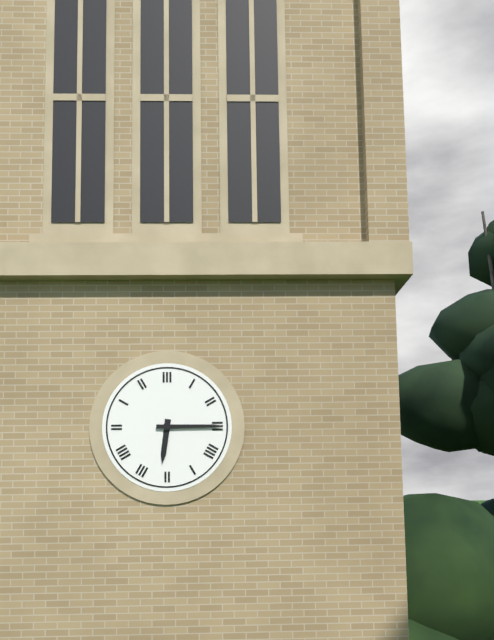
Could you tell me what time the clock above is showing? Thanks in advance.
6:15
